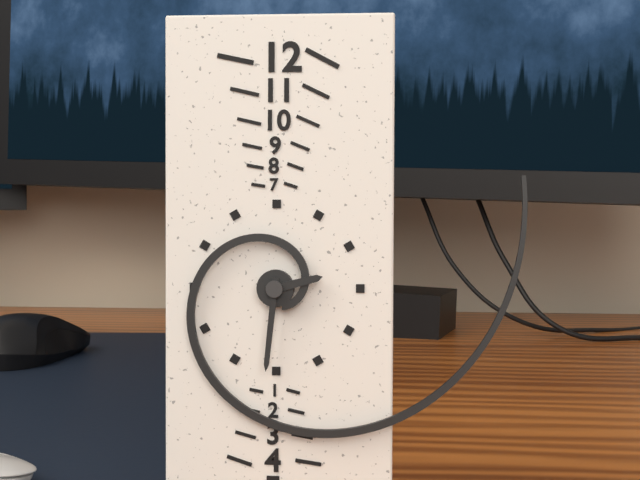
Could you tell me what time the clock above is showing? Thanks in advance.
2:31
